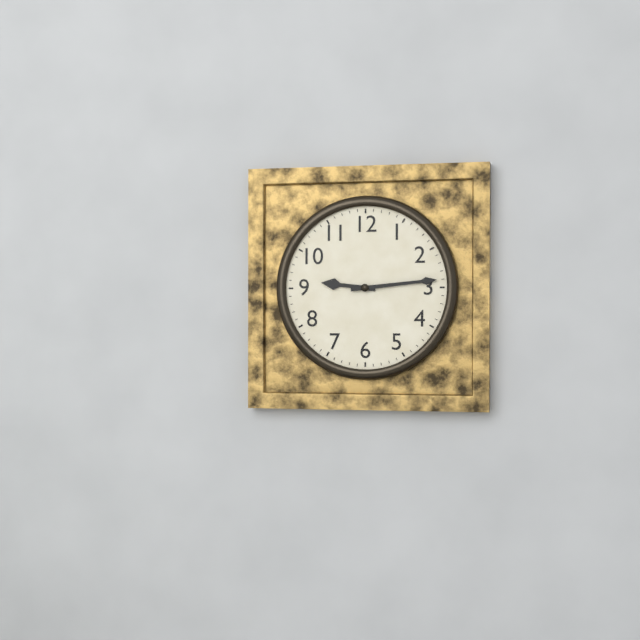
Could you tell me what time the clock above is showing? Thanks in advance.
9:14
